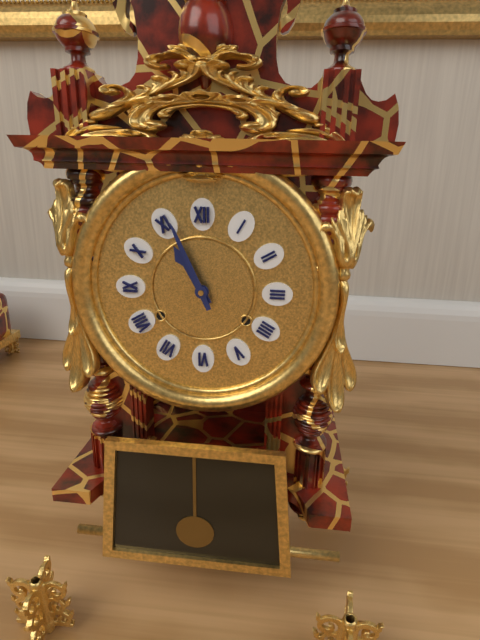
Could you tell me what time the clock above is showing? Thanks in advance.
10:56
